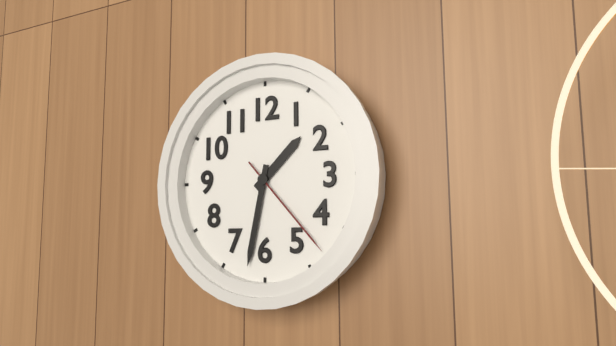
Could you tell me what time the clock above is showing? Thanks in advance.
1:32:23
